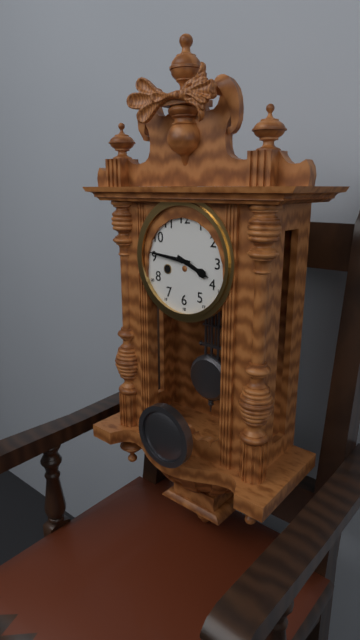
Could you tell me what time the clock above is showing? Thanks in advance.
3:46
